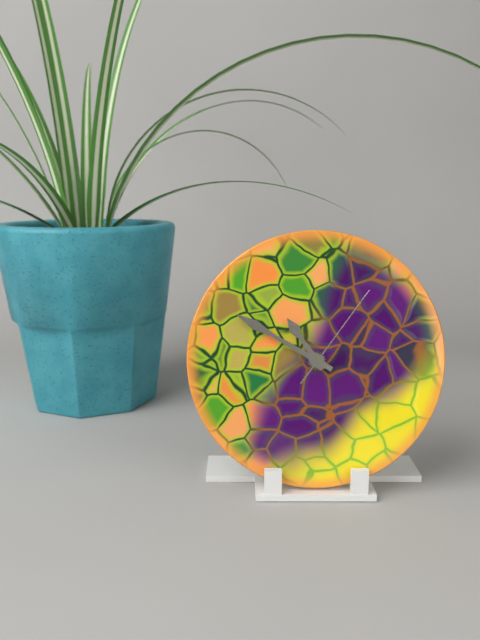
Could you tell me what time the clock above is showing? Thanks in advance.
10:50:06
